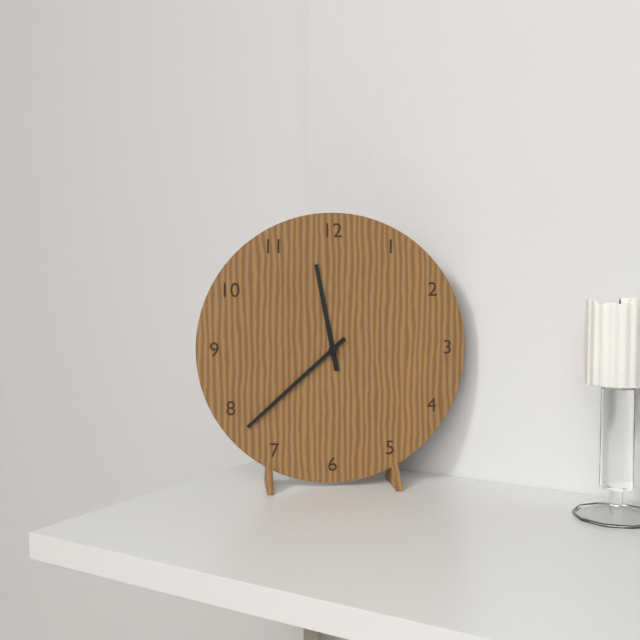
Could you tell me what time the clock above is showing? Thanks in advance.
11:38
